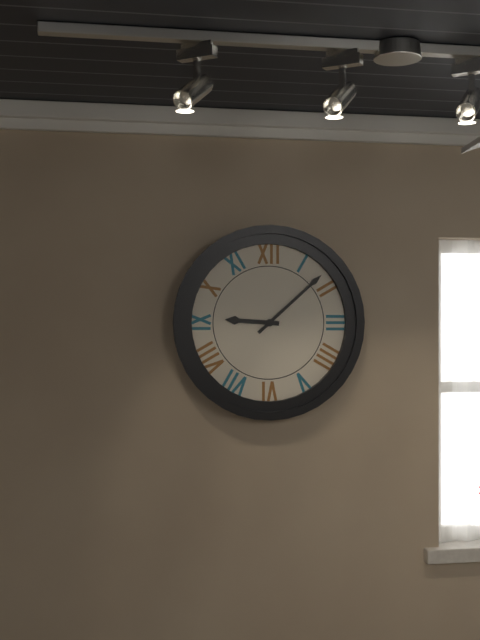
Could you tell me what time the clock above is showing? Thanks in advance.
9:08
